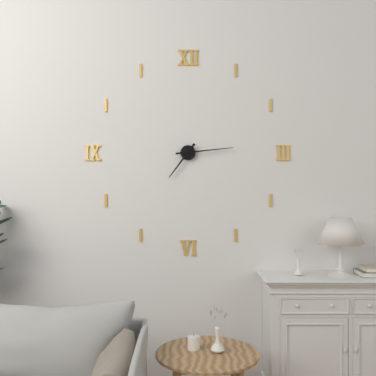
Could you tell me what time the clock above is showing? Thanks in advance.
7:14
